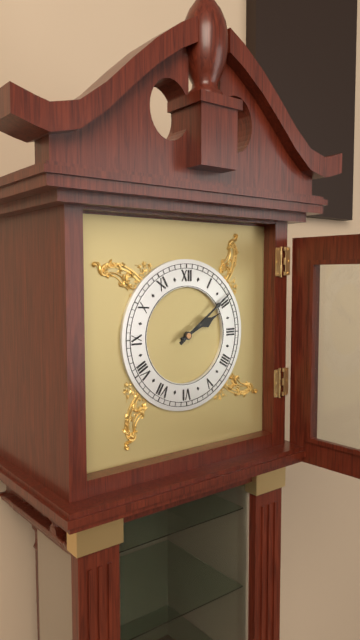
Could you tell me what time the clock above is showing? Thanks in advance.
2:09
